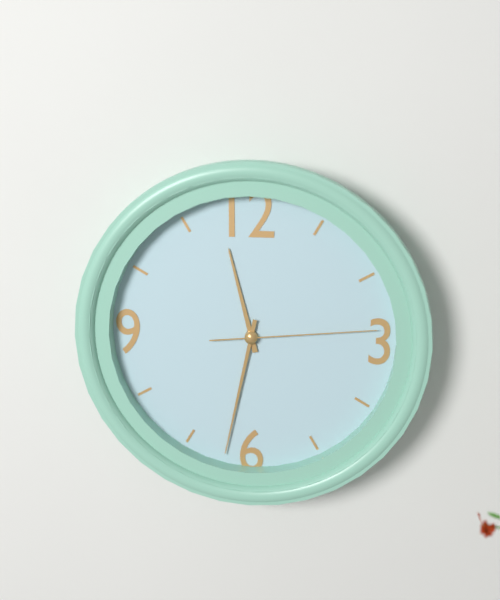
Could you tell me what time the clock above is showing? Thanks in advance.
11:32:14
